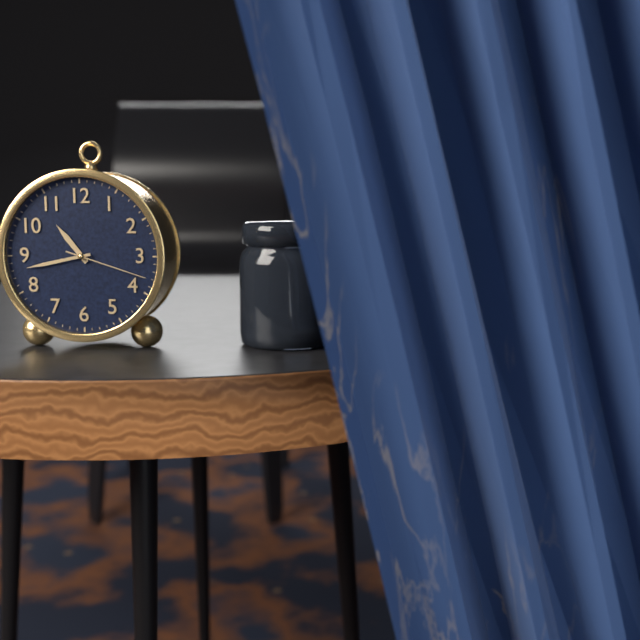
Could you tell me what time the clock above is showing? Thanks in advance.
10:43:18
